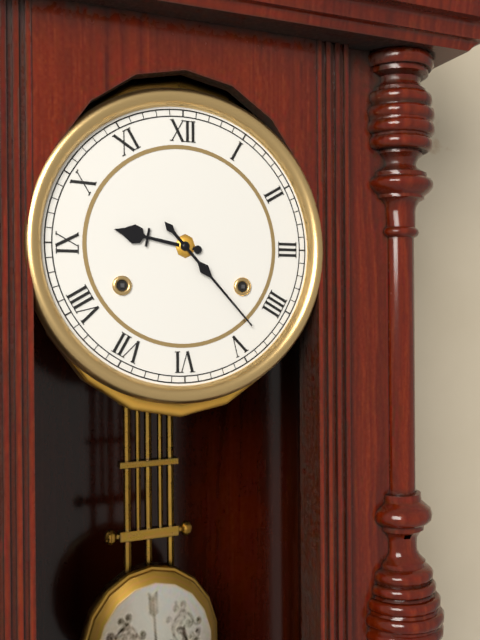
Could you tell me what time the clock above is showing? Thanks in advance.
9:23
